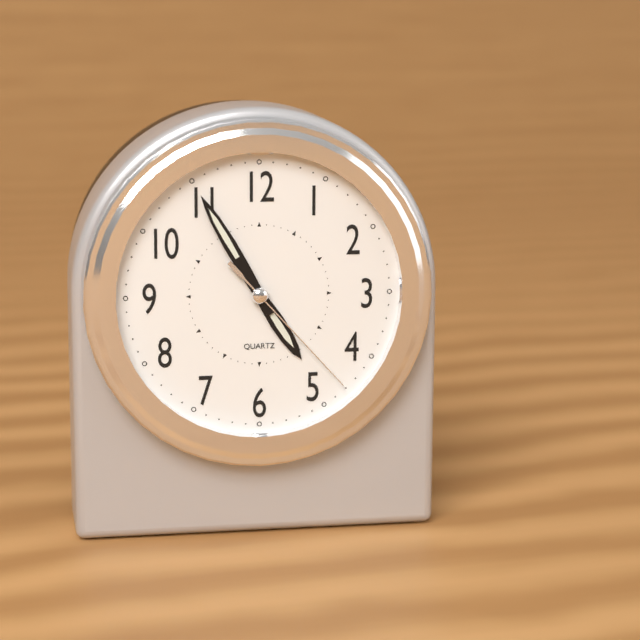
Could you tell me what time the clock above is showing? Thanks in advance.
4:55:23
